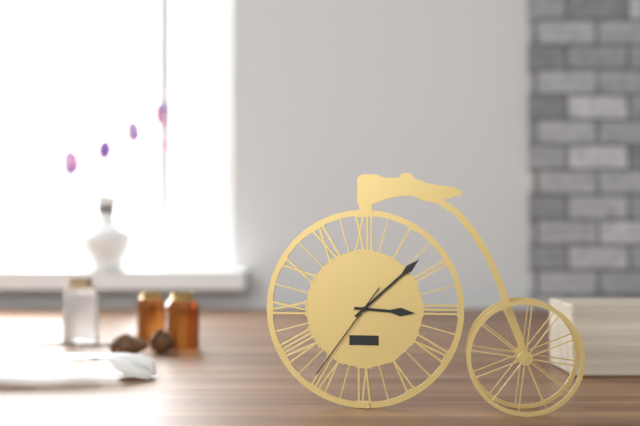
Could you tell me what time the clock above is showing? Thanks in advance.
3:08:36
